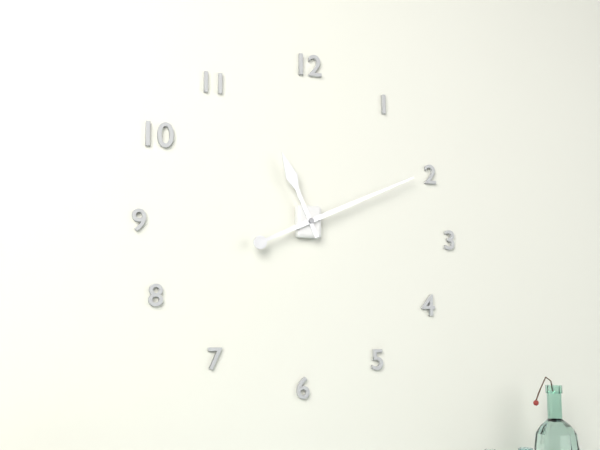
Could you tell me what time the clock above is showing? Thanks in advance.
11:11
